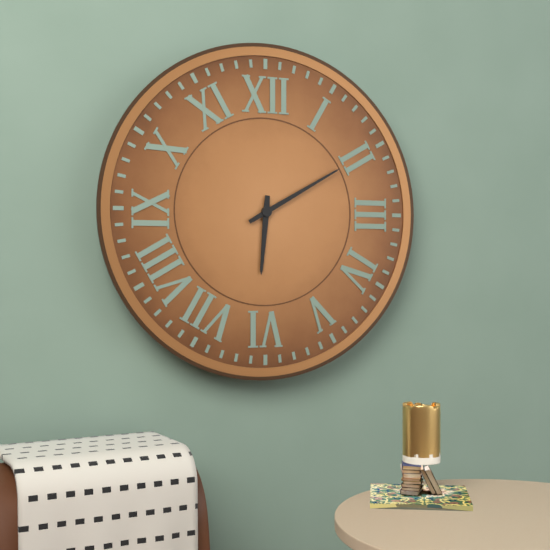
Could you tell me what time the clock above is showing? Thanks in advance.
6:10
